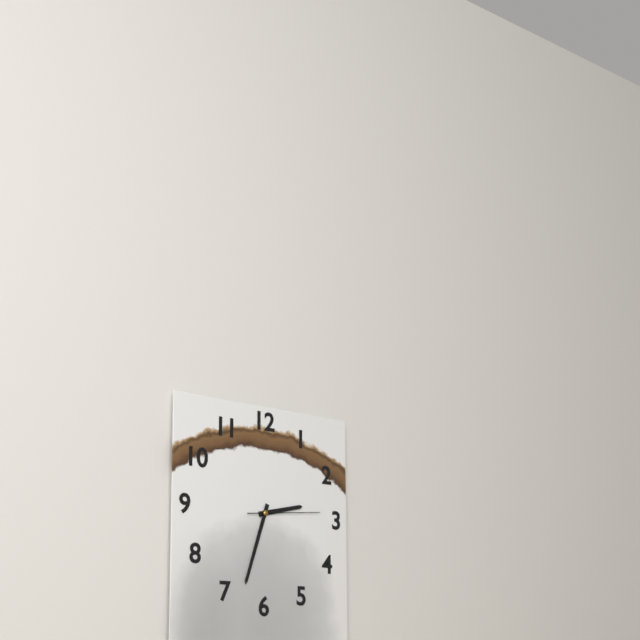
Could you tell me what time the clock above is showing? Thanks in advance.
2:33:14
